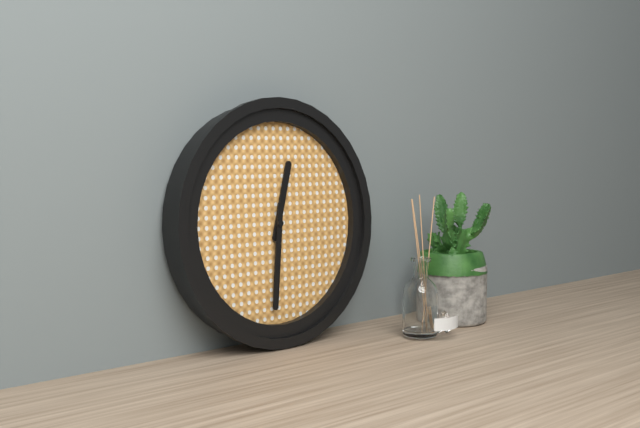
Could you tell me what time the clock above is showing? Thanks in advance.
12:31
